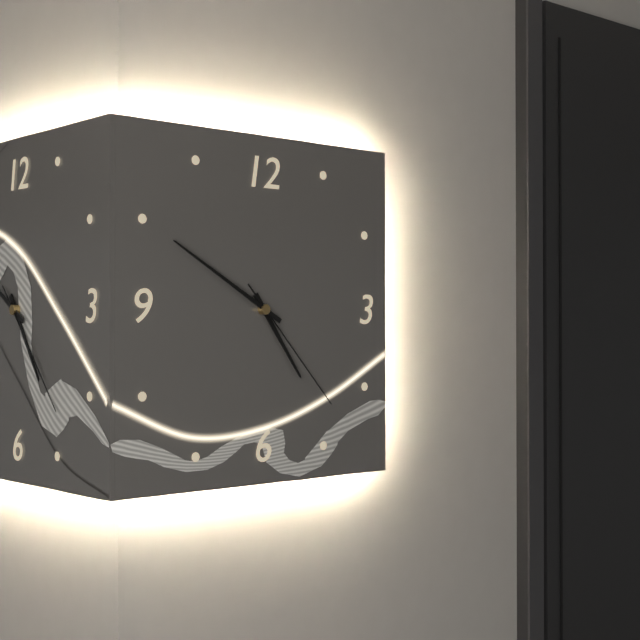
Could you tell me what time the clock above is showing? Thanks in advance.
4:50:23
